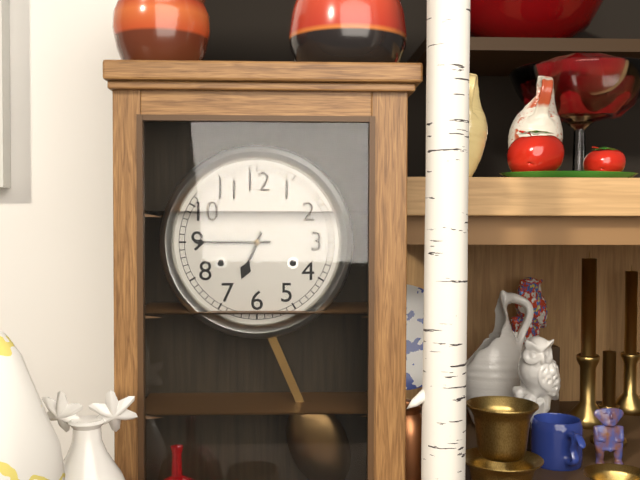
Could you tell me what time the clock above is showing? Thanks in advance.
6:45
